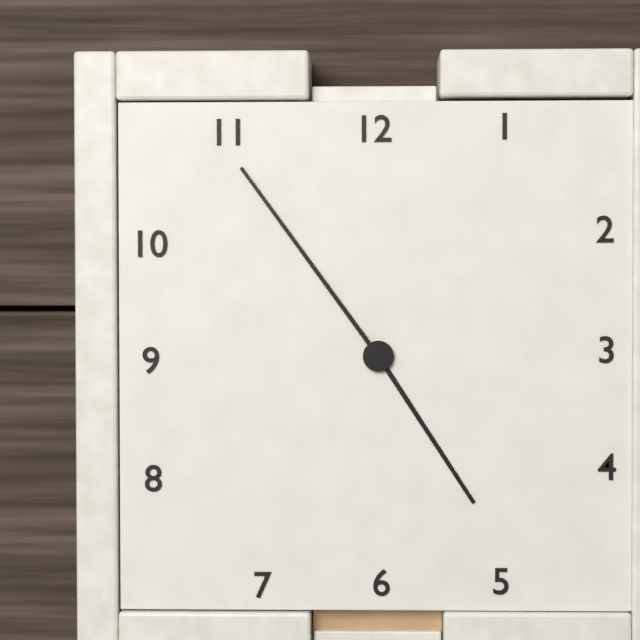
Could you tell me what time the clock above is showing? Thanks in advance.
4:54
